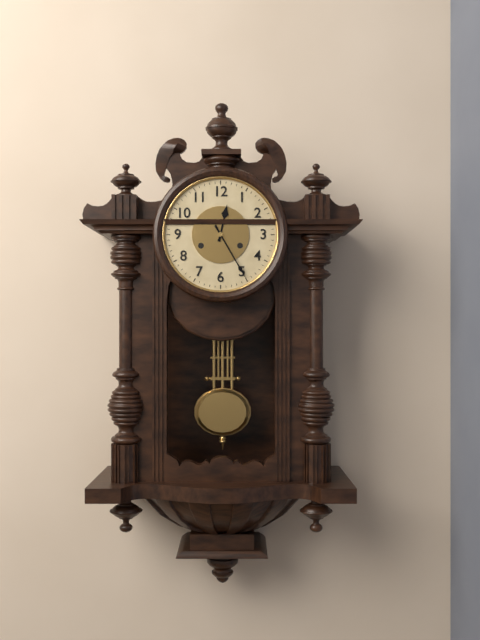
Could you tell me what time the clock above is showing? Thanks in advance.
12:25
